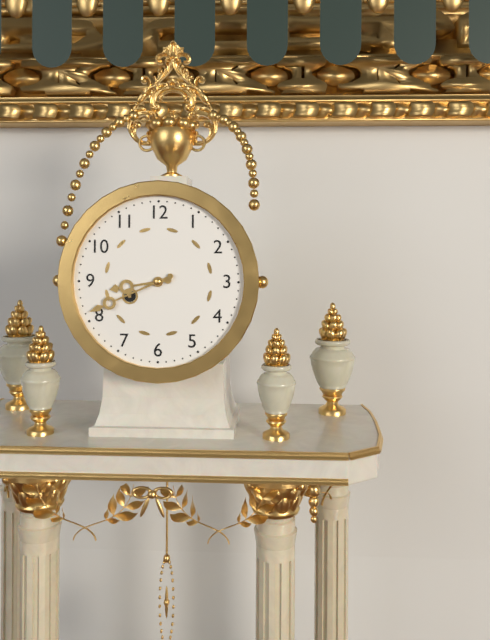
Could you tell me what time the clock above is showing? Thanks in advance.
8:41
